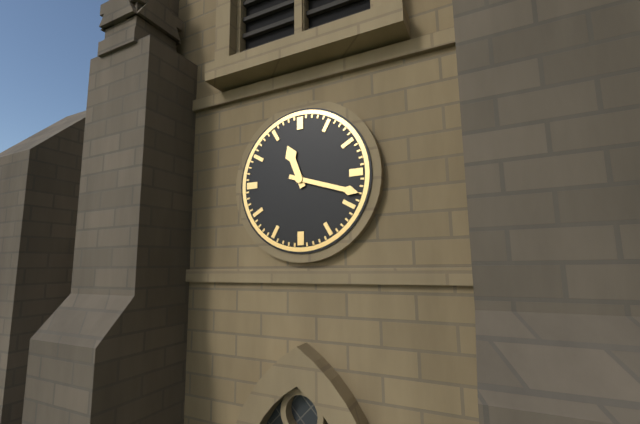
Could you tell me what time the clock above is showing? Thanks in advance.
11:18
